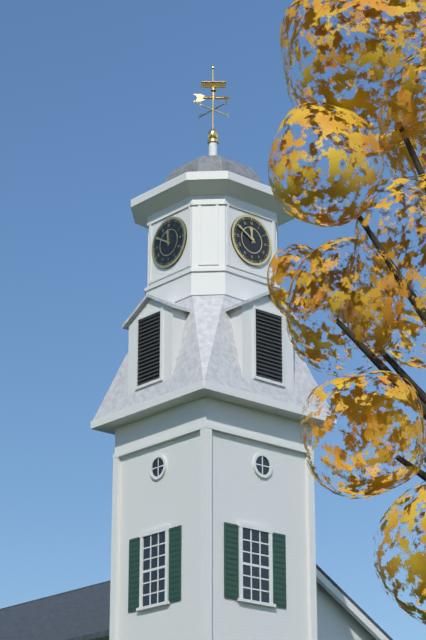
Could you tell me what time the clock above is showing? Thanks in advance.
11:50
